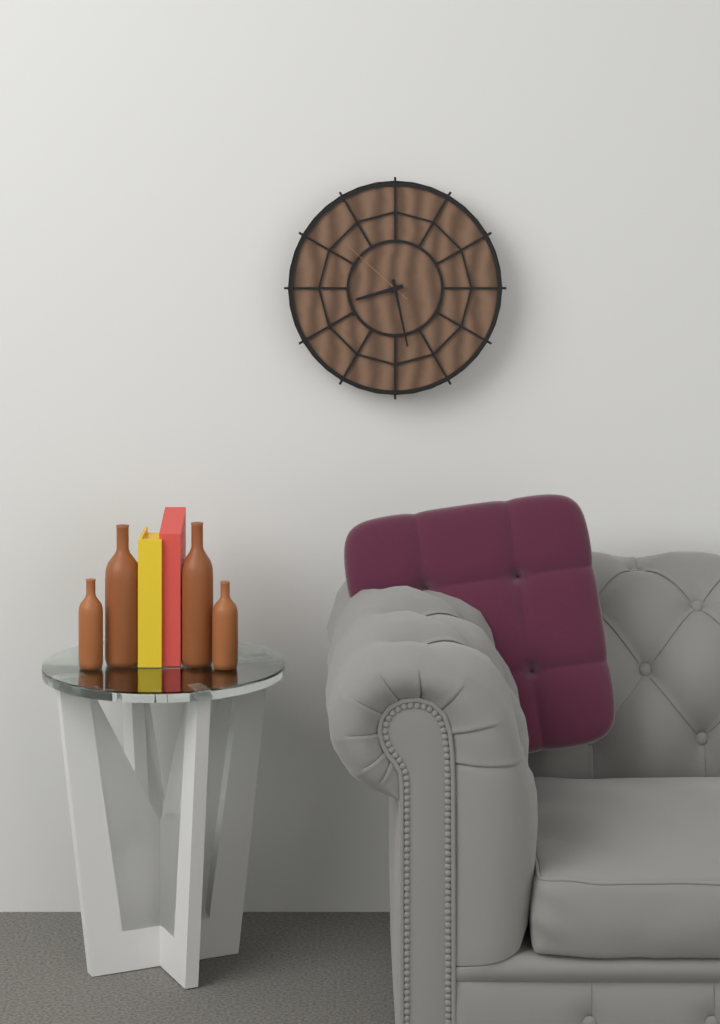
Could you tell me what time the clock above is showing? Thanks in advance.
8:28:52
